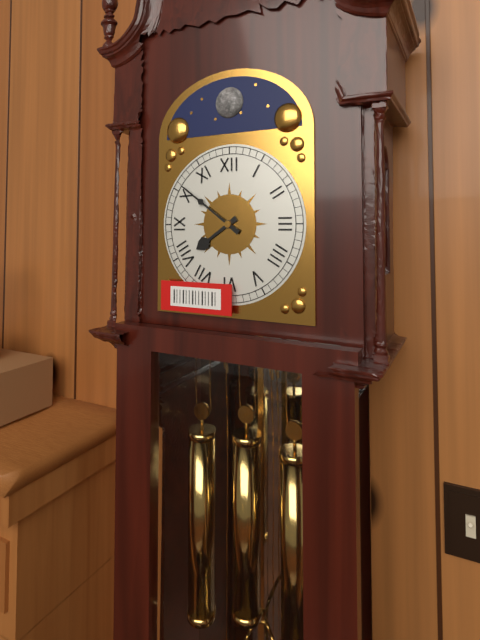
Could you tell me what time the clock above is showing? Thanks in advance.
7:51
